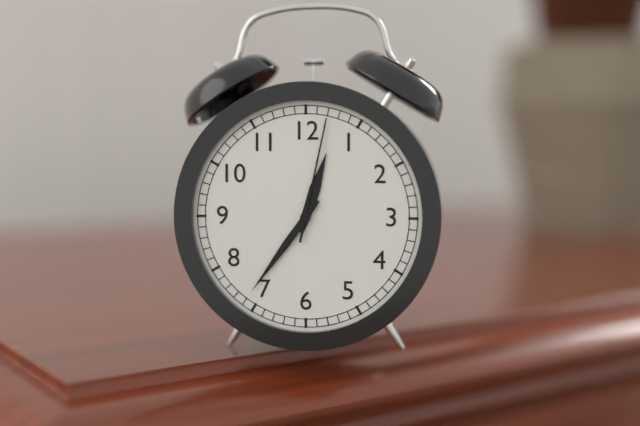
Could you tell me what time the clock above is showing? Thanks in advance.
12:36:02
